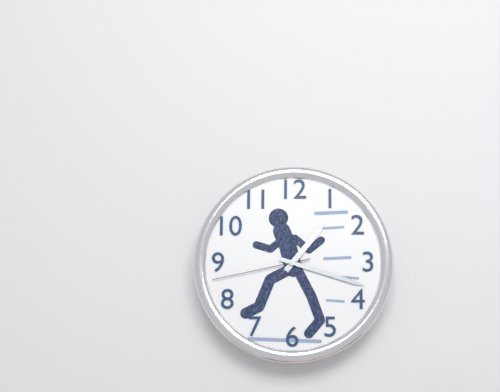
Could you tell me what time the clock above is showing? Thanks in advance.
1:18:43
